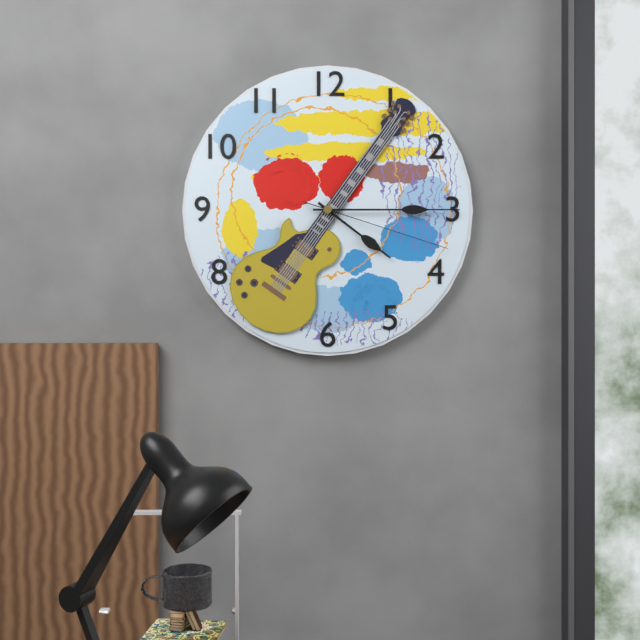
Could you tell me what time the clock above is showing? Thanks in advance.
4:15:18
